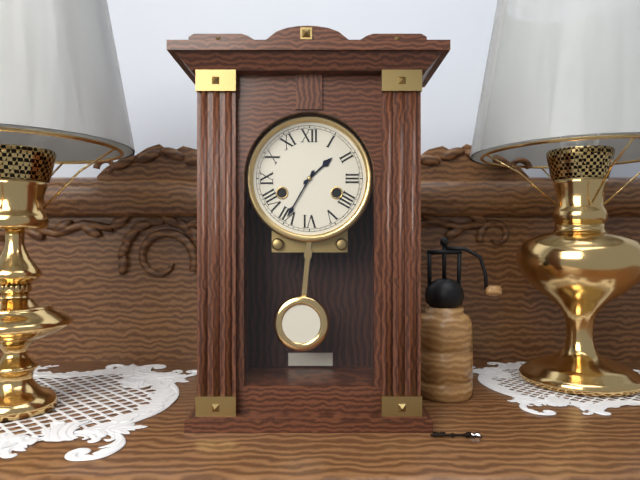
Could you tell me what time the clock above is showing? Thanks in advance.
1:35
